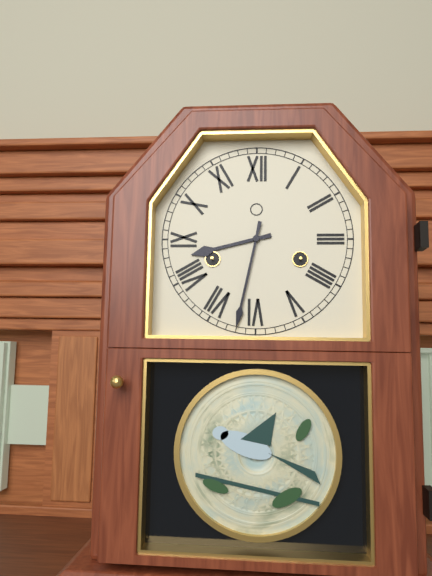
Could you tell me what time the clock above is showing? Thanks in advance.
8:32
